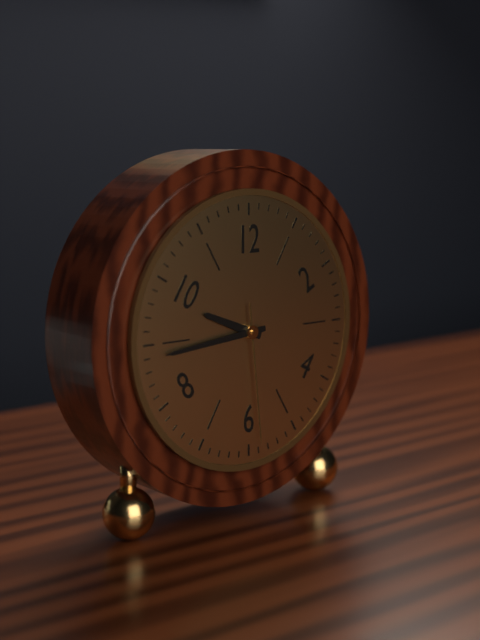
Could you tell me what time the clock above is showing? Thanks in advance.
9:44:29
